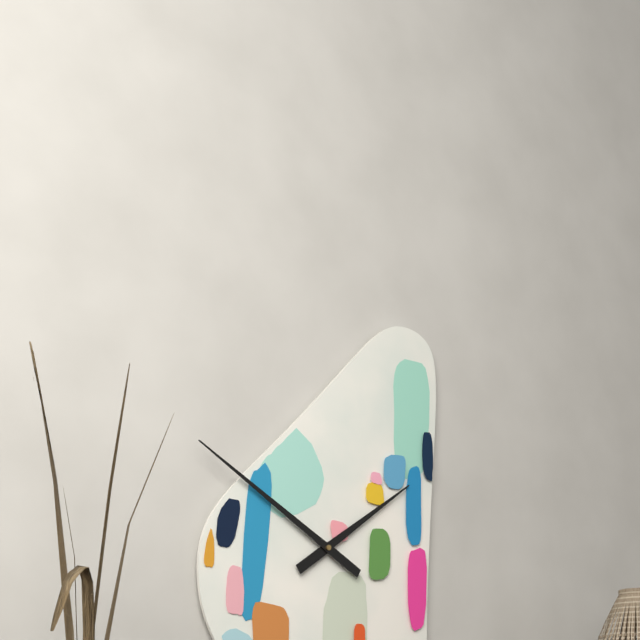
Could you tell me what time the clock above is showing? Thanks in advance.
1:50
